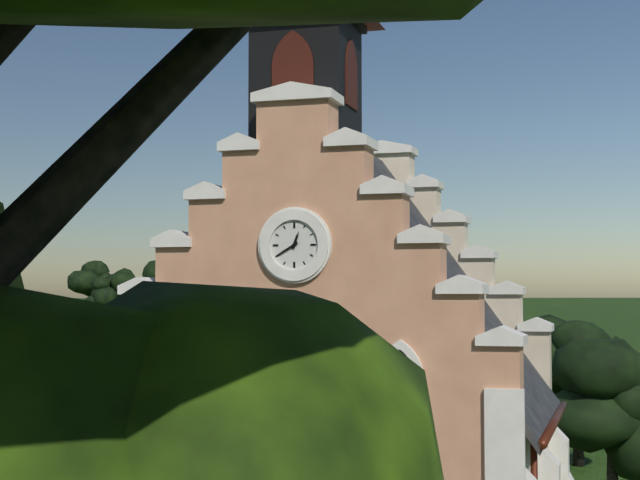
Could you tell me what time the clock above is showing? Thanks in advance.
12:40
